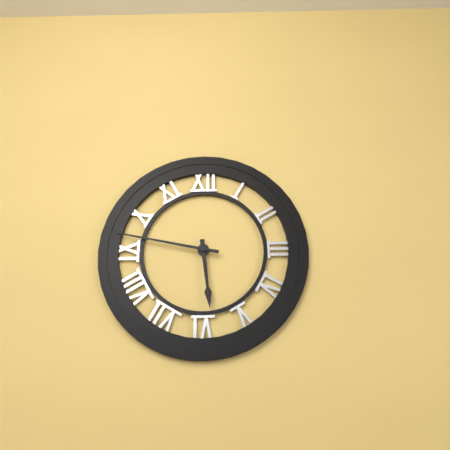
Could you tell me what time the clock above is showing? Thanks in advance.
5:47
